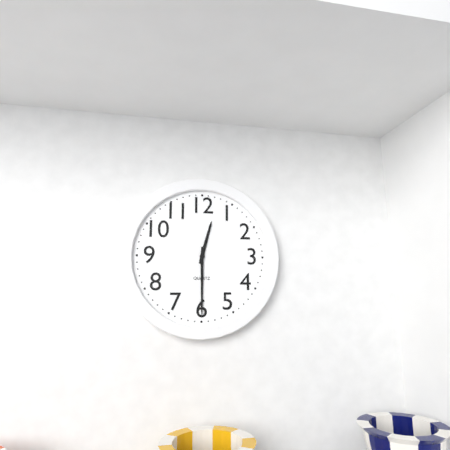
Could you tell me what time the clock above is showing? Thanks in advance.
12:30
